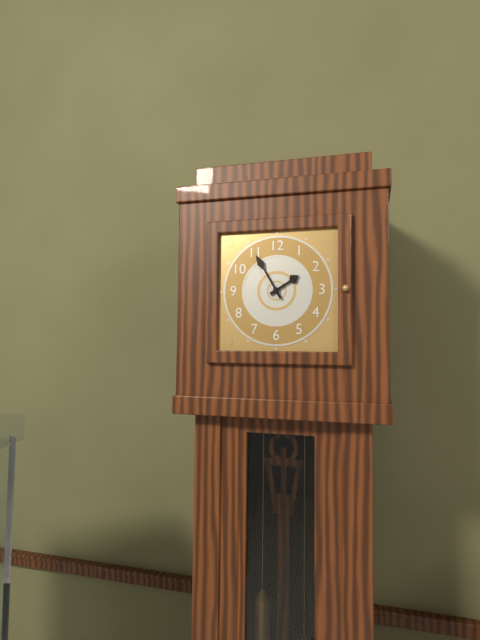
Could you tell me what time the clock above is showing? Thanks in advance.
1:55
